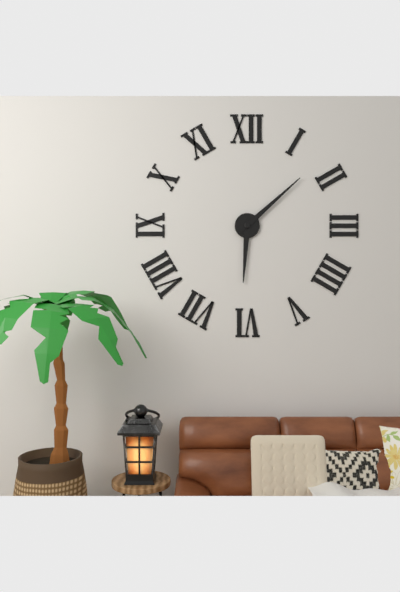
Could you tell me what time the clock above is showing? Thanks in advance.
6:08
